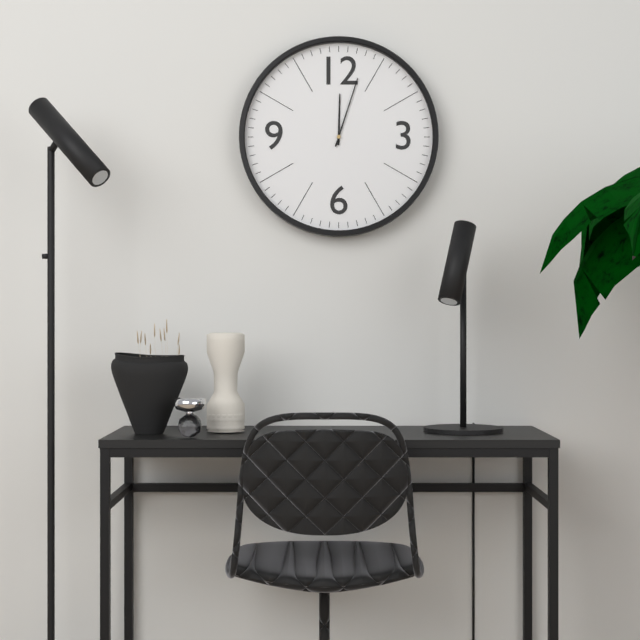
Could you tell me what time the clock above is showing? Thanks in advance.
12:03
